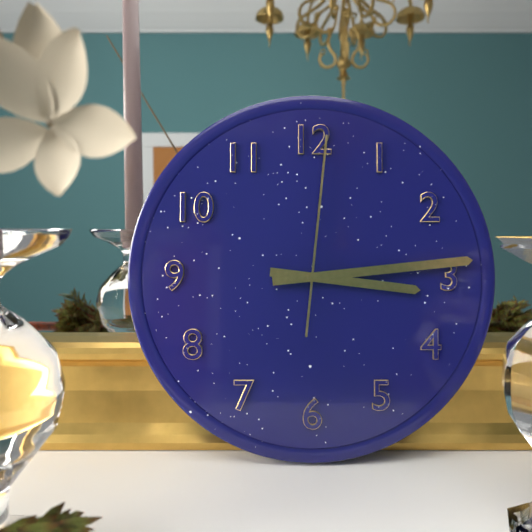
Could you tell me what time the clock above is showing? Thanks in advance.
3:14:01
